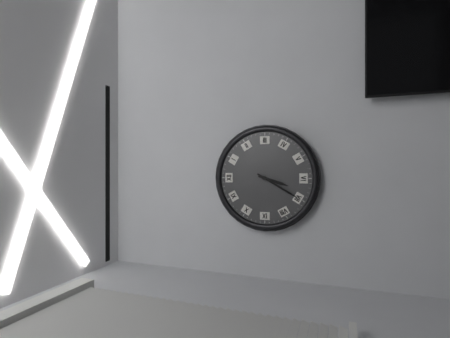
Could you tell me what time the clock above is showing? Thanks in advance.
6:35
